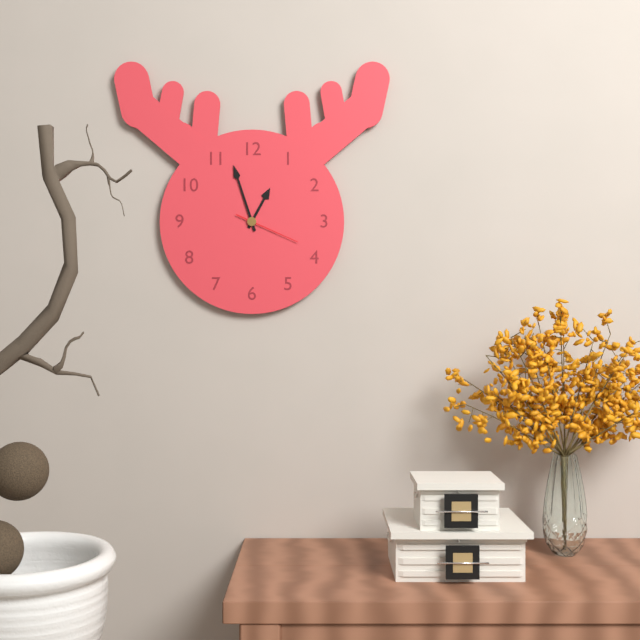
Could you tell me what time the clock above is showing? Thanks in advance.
12:57:19
